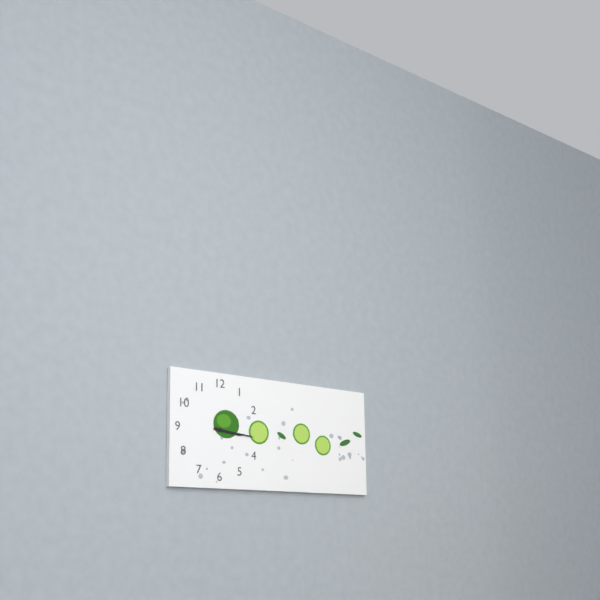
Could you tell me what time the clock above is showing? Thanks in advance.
3:16
